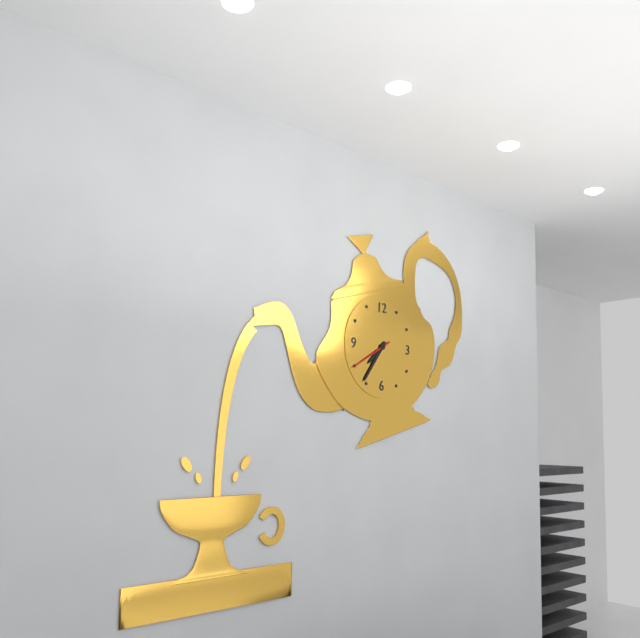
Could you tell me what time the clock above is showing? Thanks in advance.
7:36
